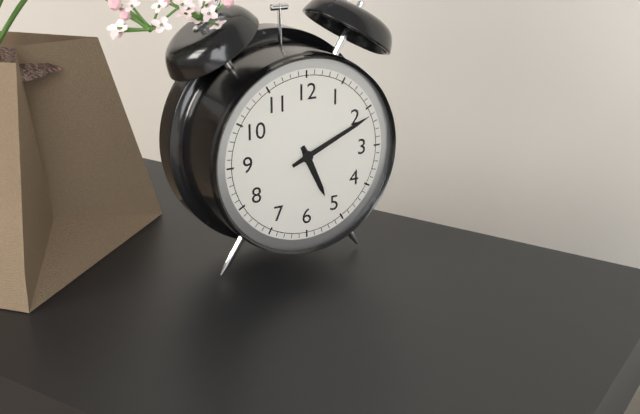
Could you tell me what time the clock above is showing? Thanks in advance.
5:11
